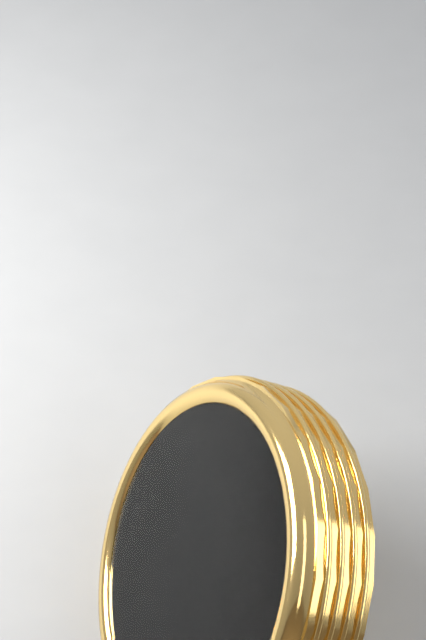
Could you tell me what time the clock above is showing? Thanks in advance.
9:06:06
